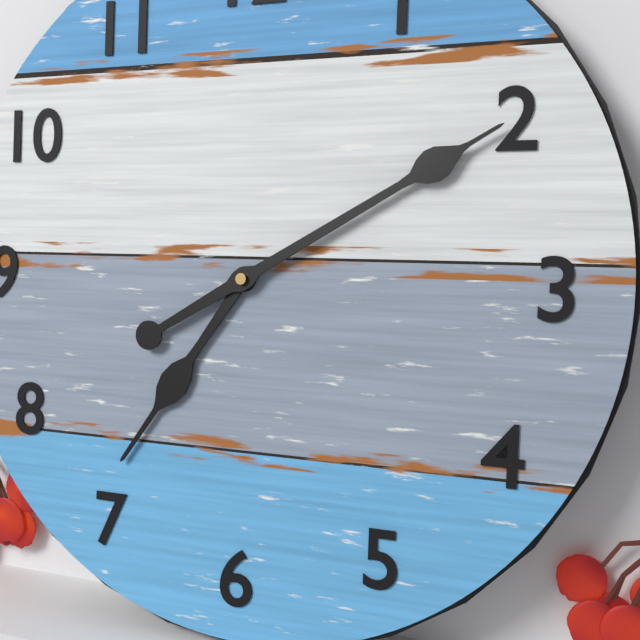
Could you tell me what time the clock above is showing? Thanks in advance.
7:10
